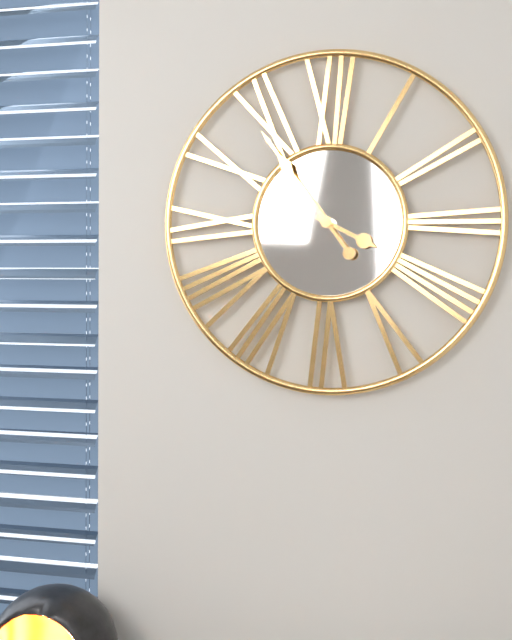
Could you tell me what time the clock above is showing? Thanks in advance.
3:54
